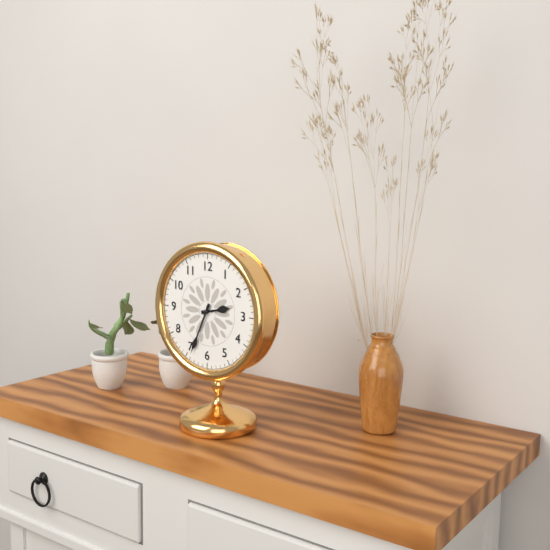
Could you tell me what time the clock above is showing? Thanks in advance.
2:34
